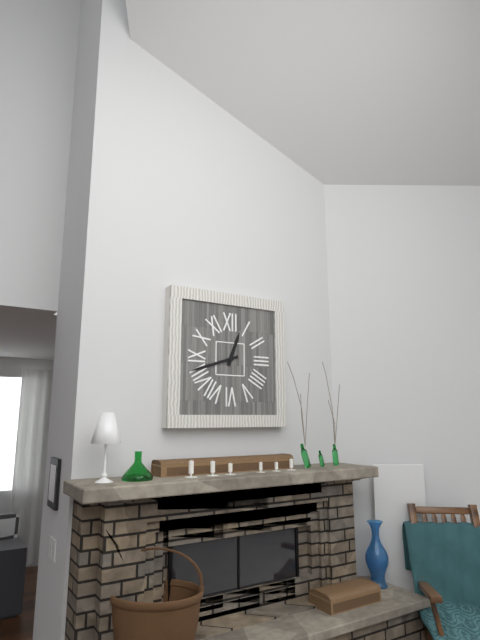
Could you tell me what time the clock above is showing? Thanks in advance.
12:42
